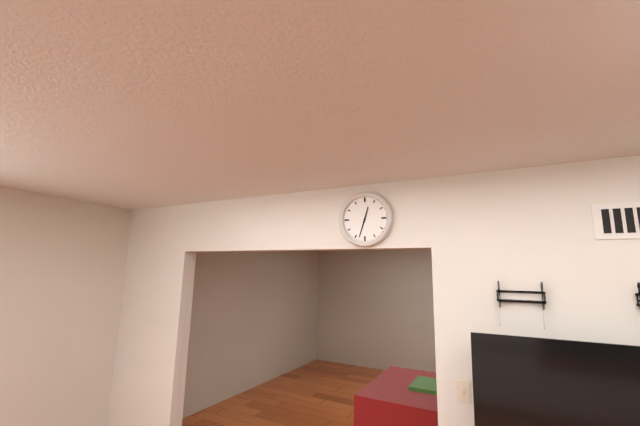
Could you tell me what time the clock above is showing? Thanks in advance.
12:33
